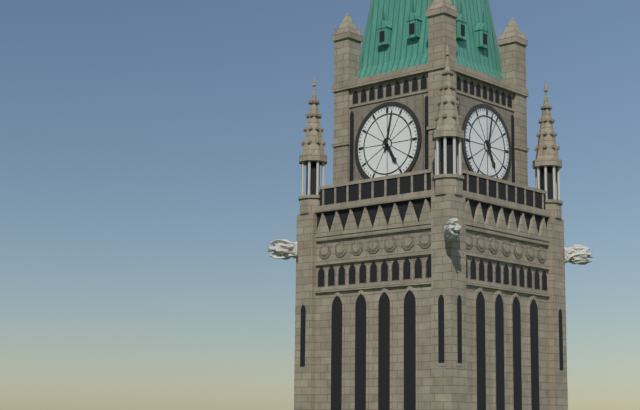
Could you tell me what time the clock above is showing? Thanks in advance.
5:02
